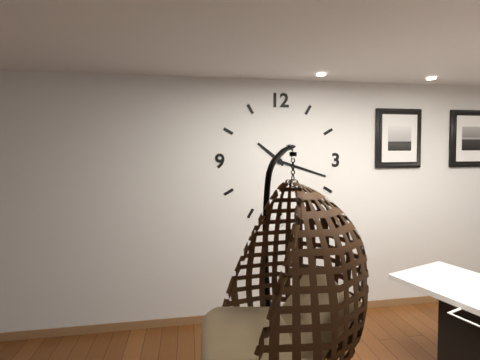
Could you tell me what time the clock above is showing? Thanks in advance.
10:18
